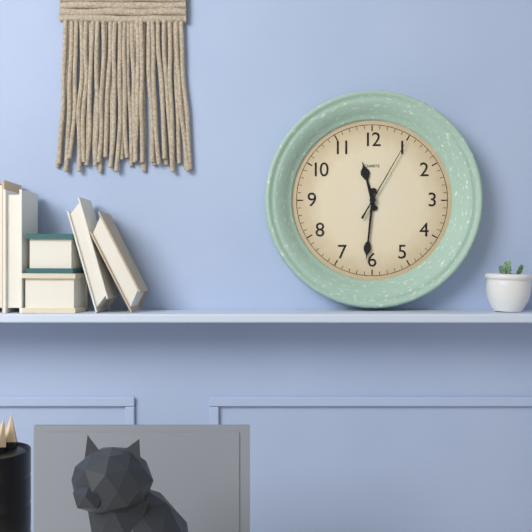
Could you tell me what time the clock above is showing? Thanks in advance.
11:31:05
